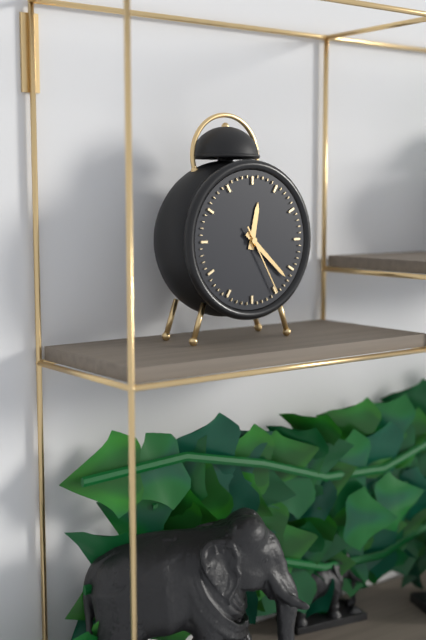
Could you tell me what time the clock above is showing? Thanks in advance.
12:22:25
